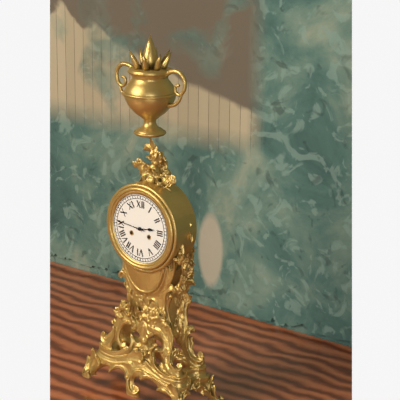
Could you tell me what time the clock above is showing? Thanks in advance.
2:46
